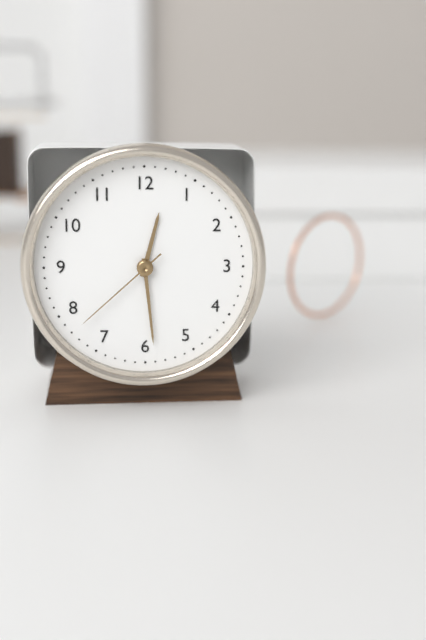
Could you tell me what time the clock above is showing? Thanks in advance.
12:29:38
